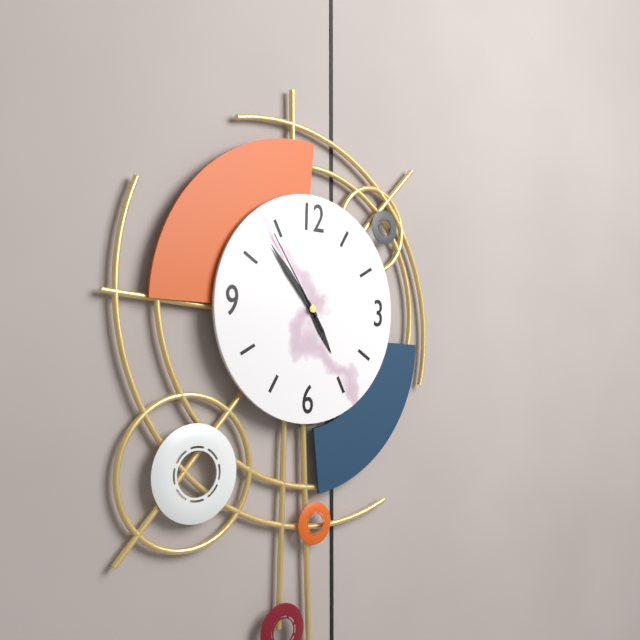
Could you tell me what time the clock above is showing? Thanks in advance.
4:53:54
